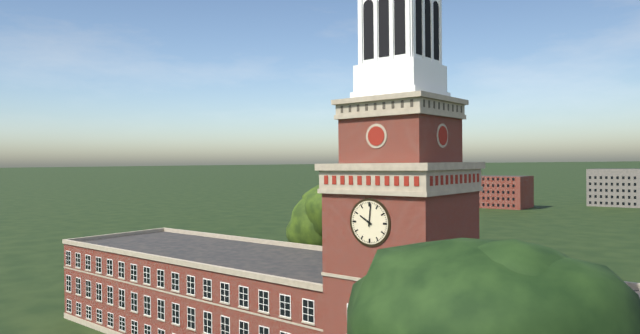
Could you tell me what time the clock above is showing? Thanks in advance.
10:01
